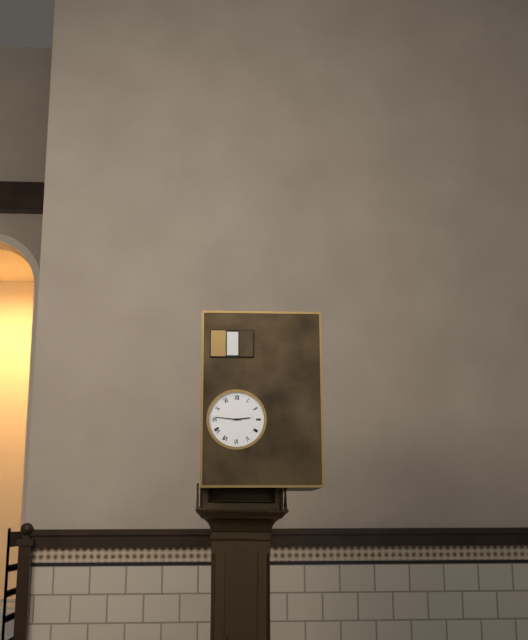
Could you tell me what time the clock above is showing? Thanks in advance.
2:46
